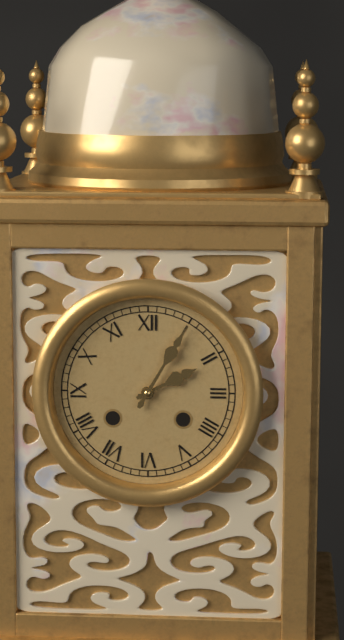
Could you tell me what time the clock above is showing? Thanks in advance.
2:05
